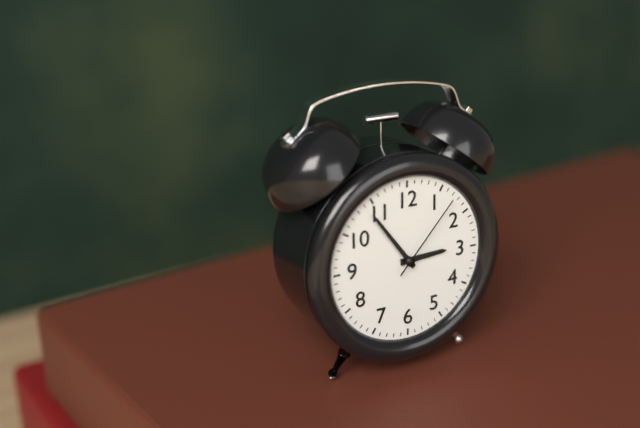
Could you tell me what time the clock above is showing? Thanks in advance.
2:54:07
